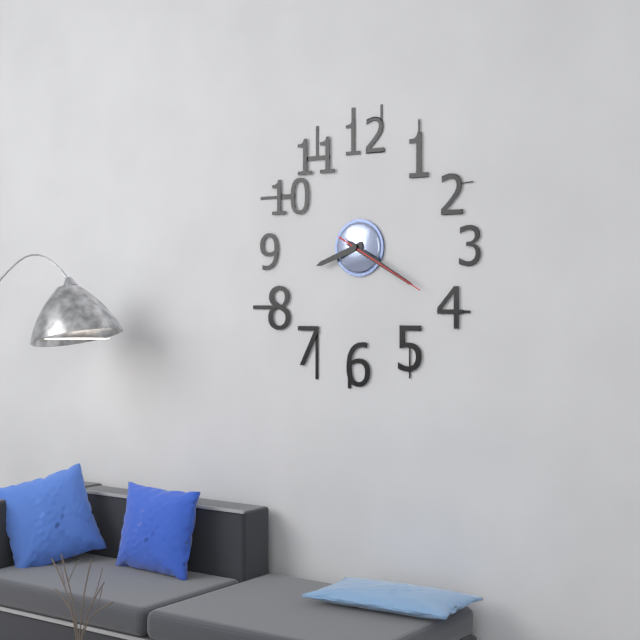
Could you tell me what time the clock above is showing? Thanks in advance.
8:20:20
